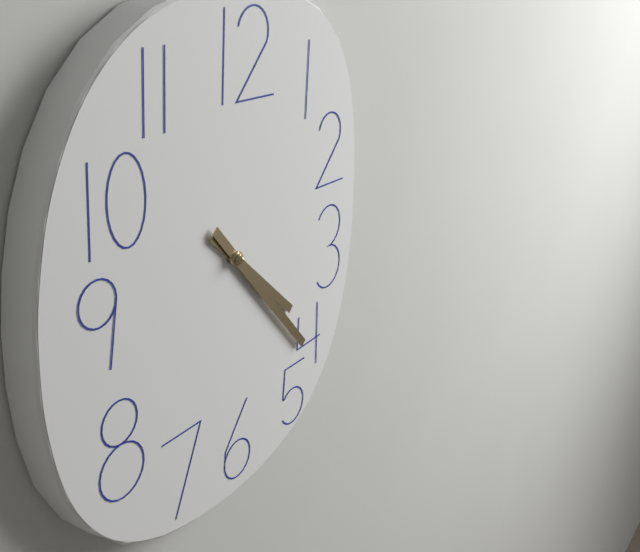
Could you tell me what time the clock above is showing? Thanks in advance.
4:23
